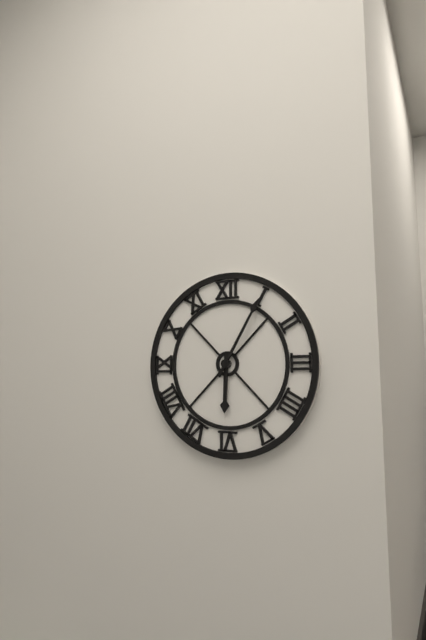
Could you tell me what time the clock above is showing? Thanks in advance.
6:05
